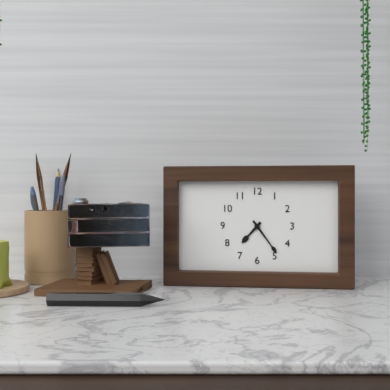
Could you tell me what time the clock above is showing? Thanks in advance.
7:24
